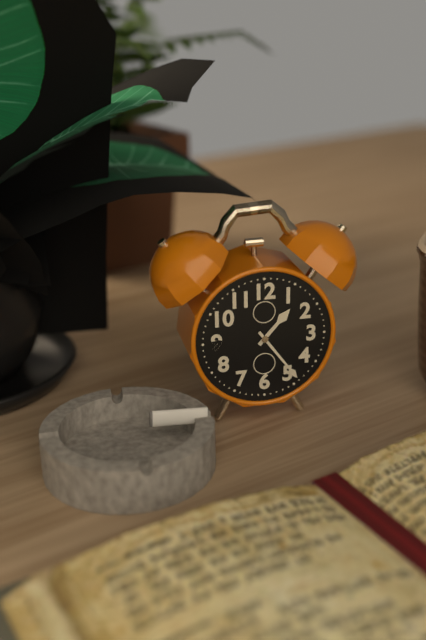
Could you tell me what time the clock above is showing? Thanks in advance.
1:24
